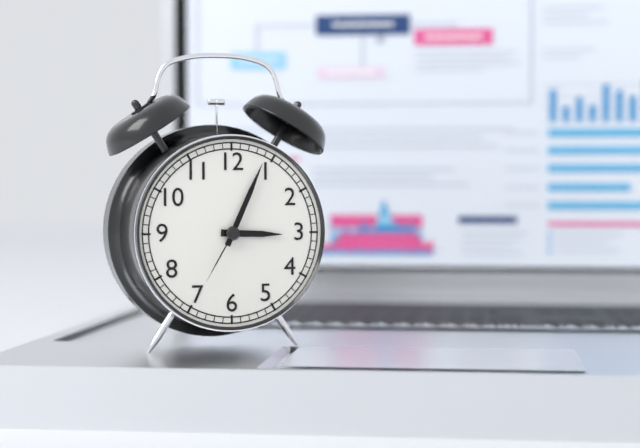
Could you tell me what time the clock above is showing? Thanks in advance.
3:04:35
